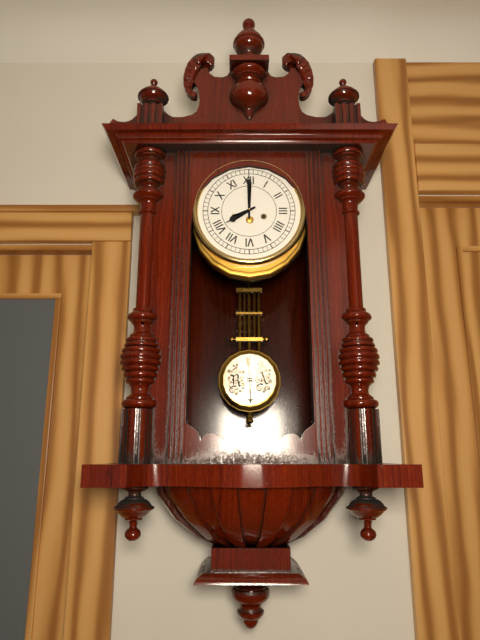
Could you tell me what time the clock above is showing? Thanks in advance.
8:00
